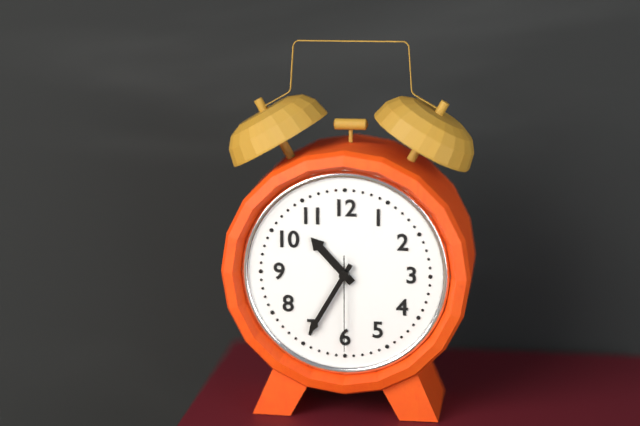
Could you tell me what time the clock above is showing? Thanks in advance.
10:35:30
